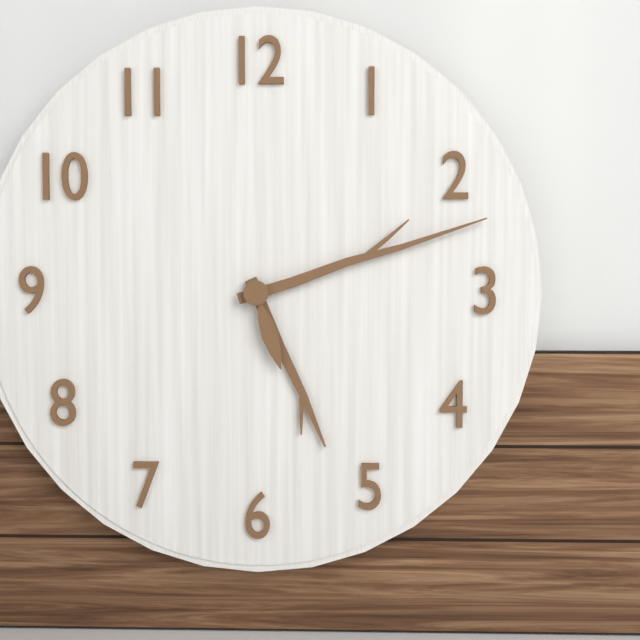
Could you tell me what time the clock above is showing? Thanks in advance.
5:12:27
